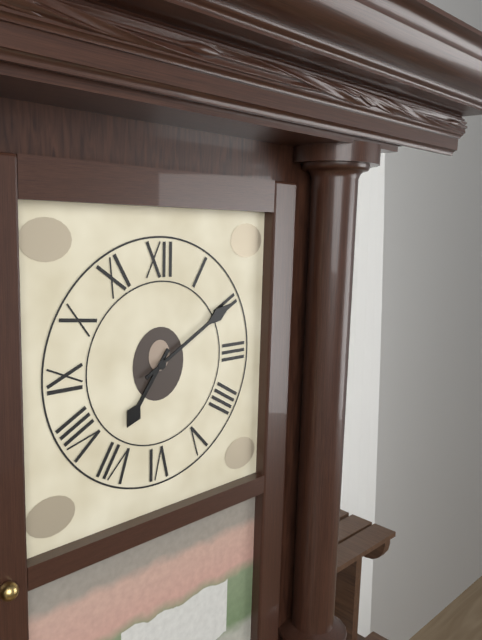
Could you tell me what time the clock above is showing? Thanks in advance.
7:10
